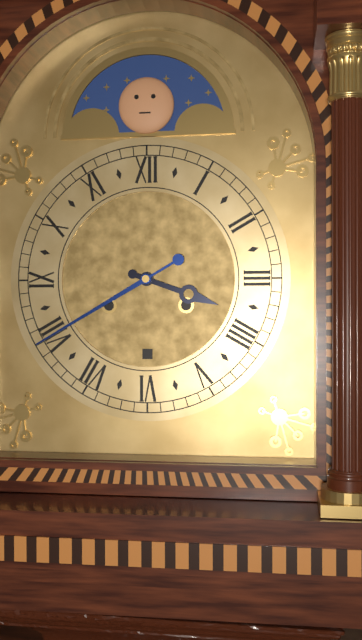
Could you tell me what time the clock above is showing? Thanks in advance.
3:40
